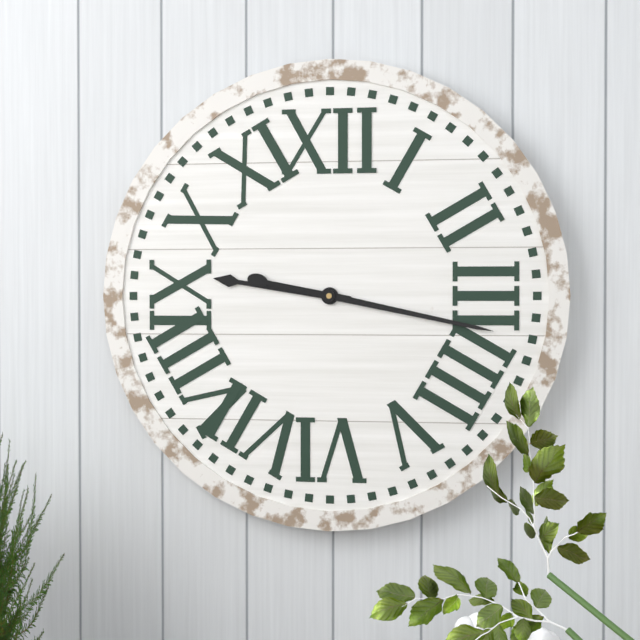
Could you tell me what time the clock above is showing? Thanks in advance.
9:17
